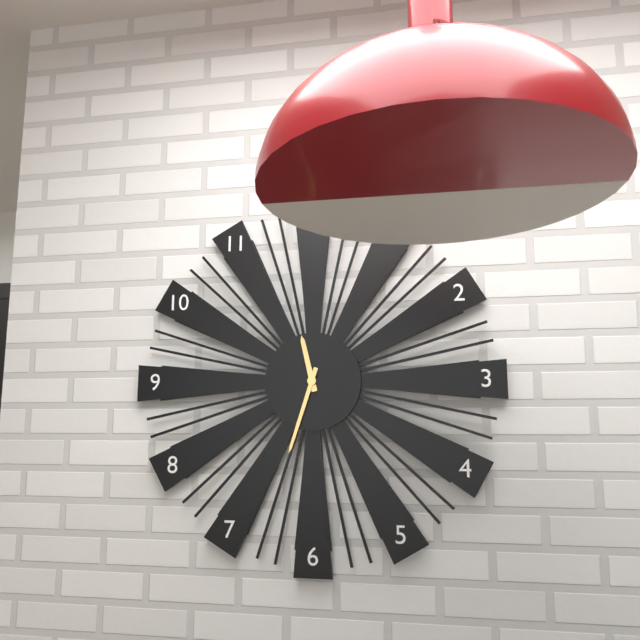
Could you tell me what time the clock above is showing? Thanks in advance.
11:33
